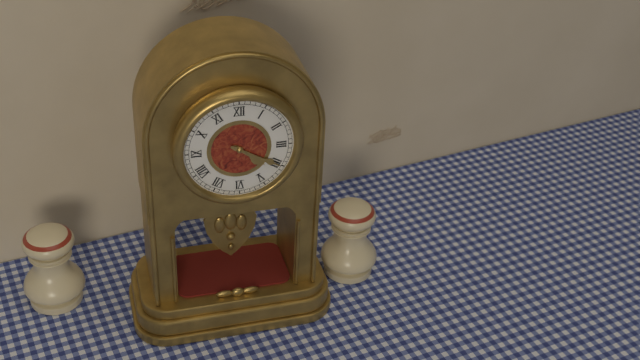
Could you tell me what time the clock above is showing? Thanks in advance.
4:20
